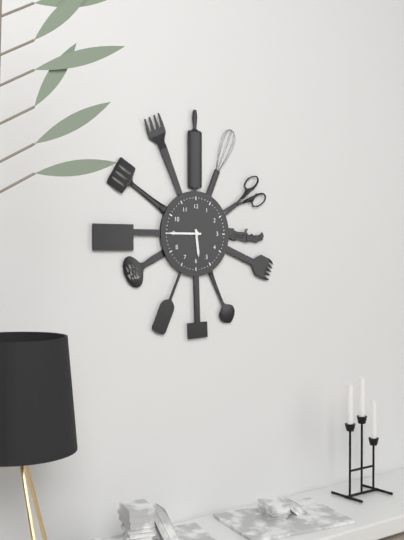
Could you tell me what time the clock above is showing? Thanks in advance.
5:45
